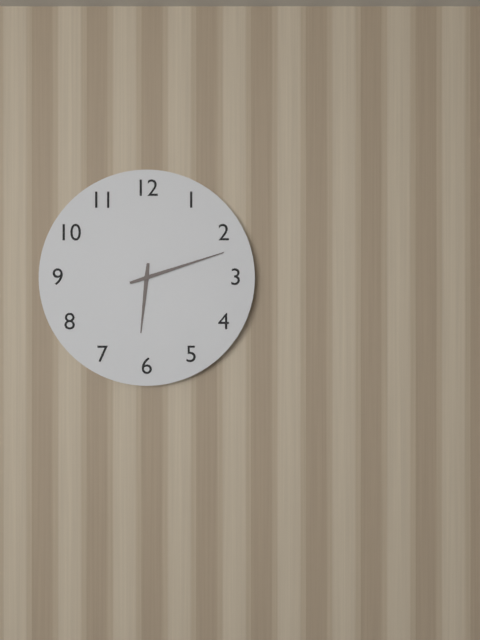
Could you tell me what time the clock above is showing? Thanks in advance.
6:12
